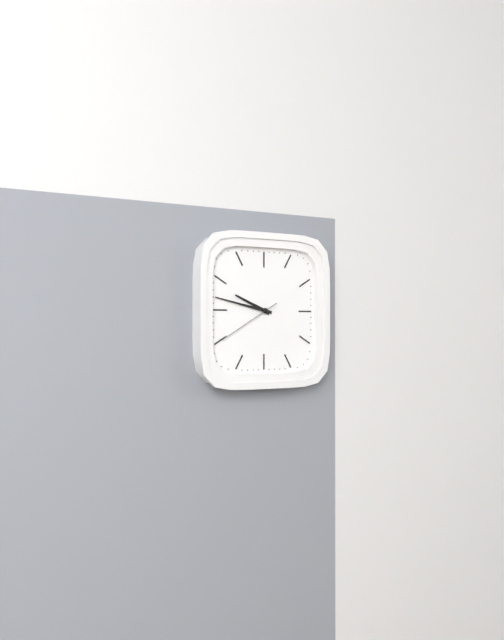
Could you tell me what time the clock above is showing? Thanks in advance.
9:47:40
